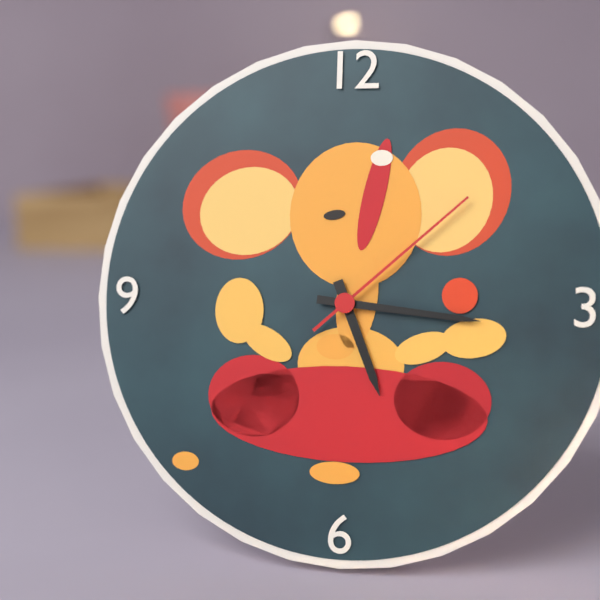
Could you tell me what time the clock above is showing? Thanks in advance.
5:16:08
